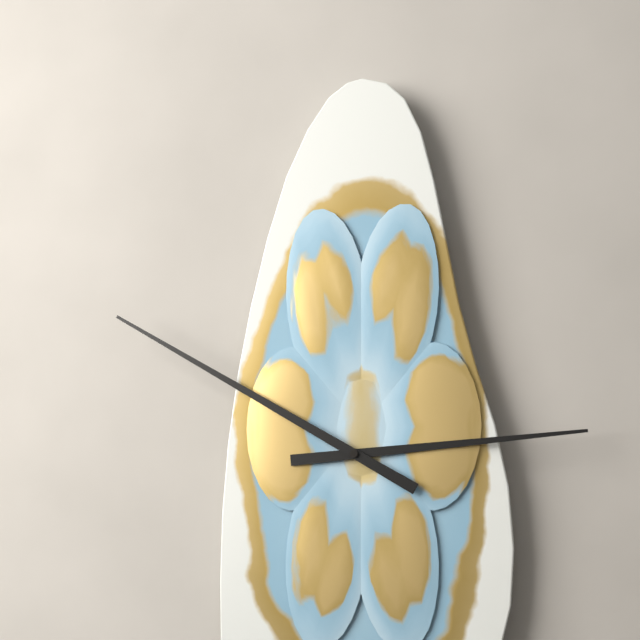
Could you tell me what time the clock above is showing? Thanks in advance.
2:50
